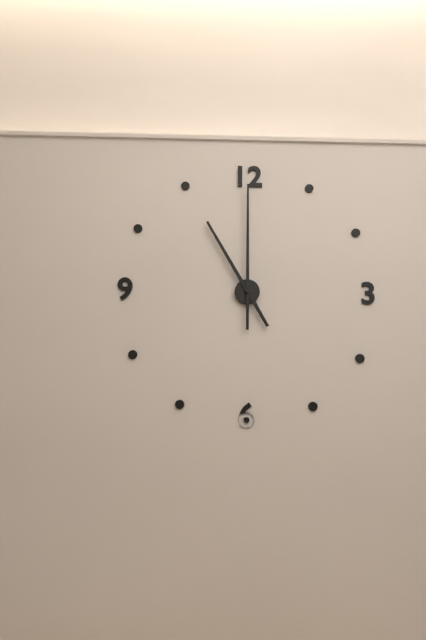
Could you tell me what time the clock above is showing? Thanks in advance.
11:00
